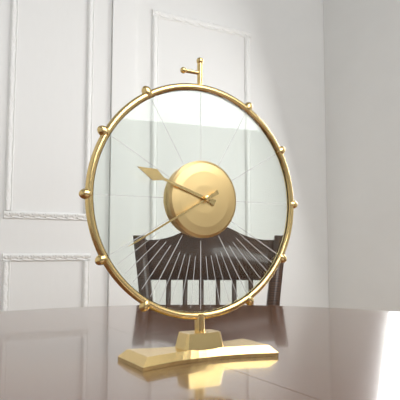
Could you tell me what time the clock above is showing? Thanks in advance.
9:40
